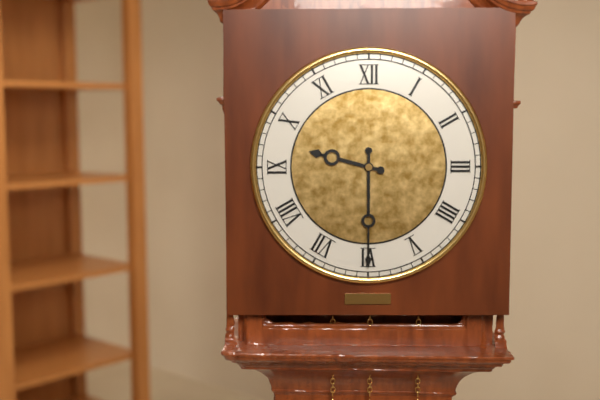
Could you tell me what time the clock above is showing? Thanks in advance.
9:30
